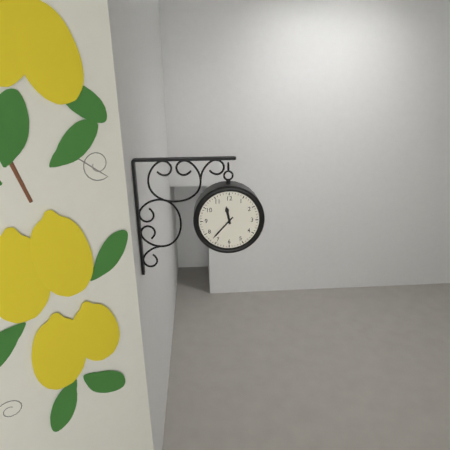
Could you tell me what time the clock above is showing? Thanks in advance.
11:37
